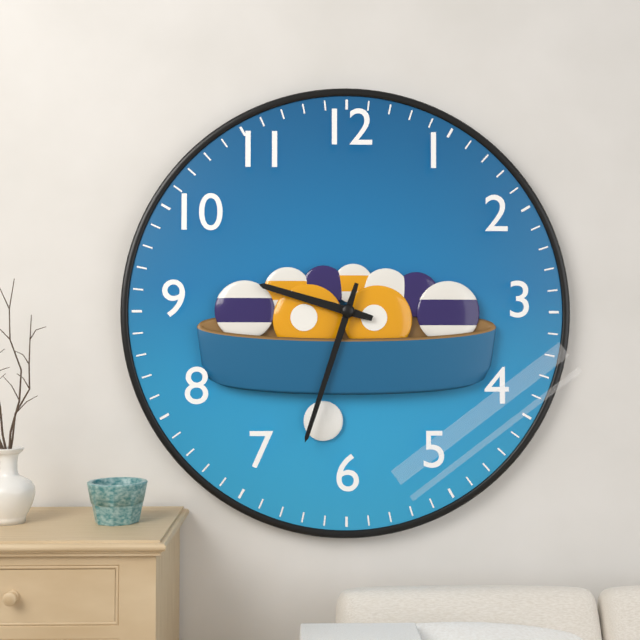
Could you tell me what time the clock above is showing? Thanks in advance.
9:33
